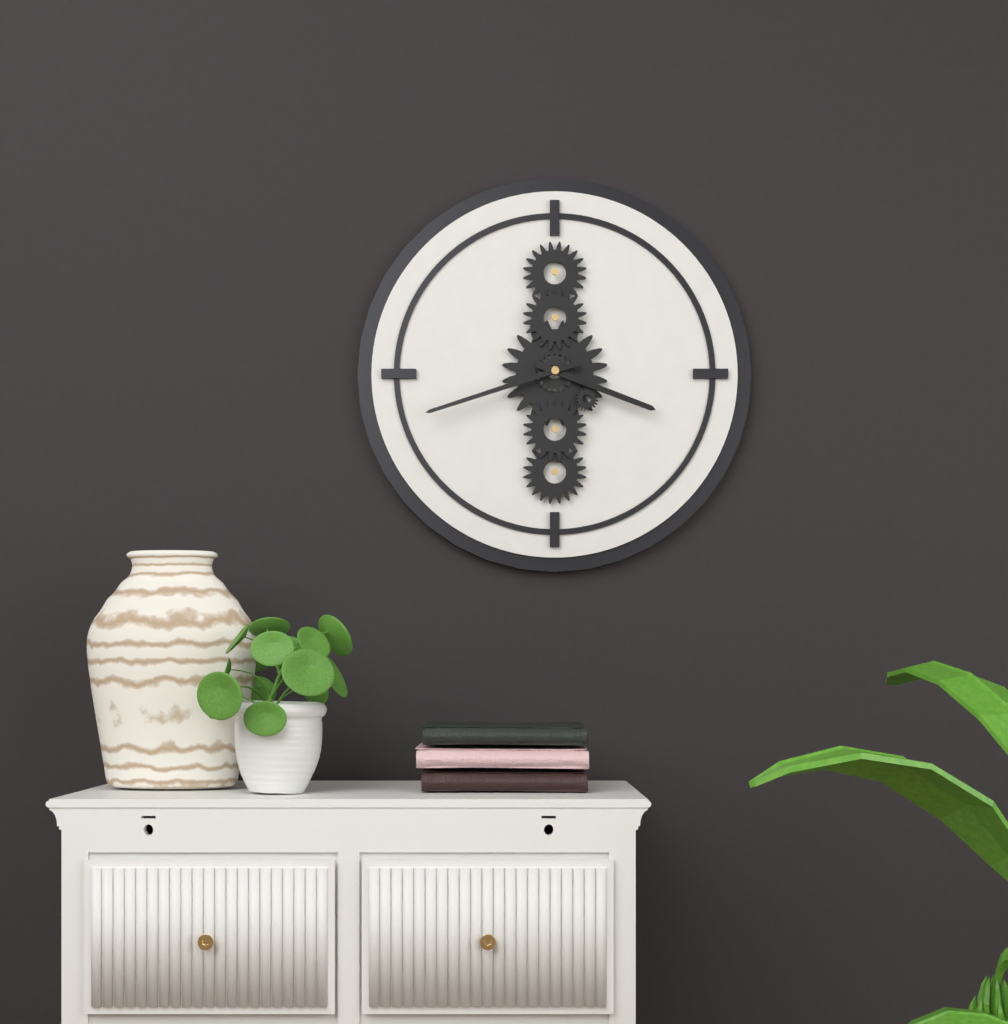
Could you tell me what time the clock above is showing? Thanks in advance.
3:42
